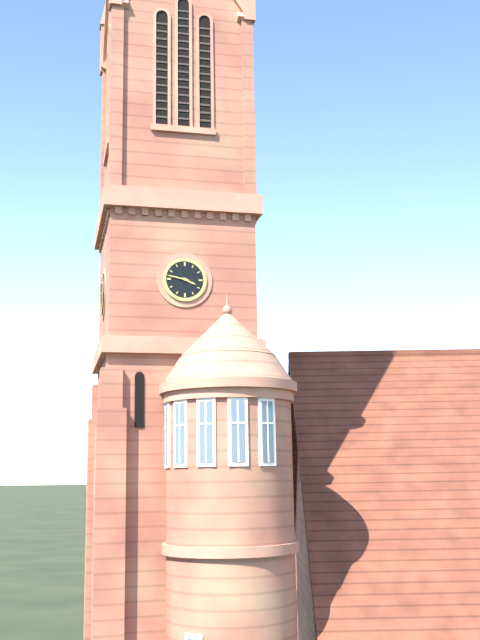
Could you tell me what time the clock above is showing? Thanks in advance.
3:47
